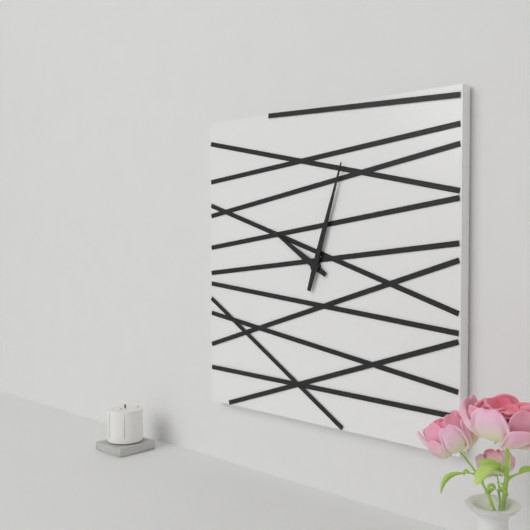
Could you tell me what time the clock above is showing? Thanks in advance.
10:03
